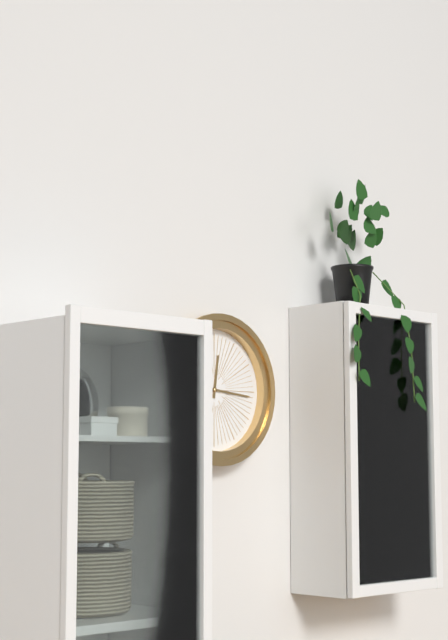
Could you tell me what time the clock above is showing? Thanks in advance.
12:16
